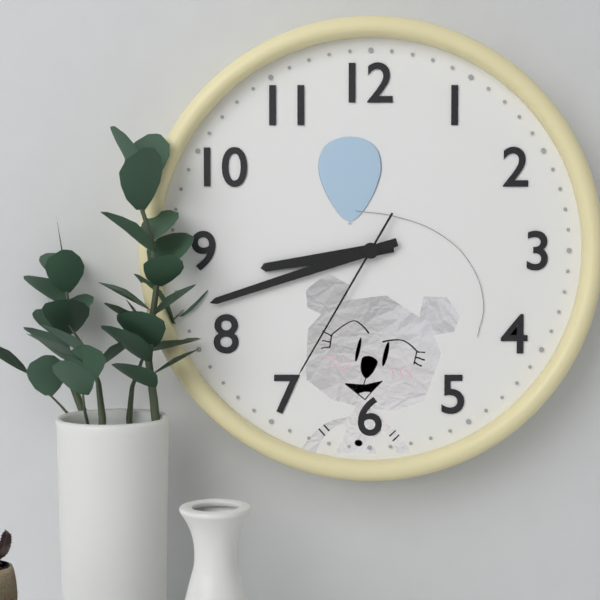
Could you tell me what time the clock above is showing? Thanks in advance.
8:42:35
